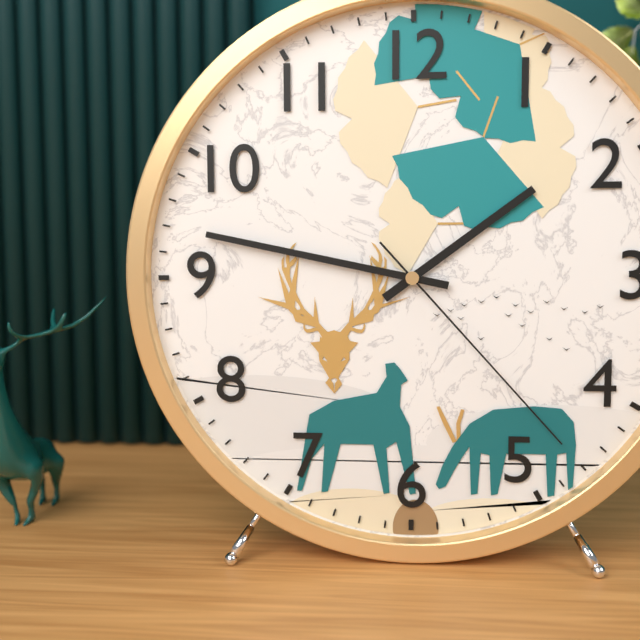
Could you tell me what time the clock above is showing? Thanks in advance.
1:47:23
